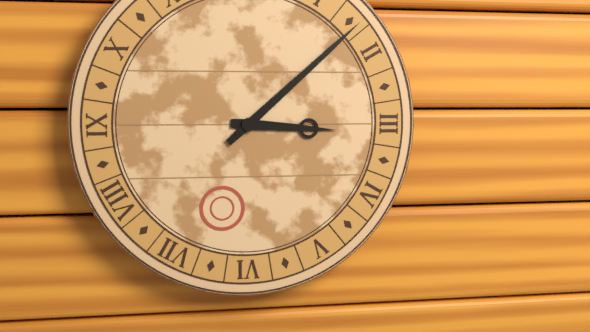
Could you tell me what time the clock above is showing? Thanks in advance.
3:08
